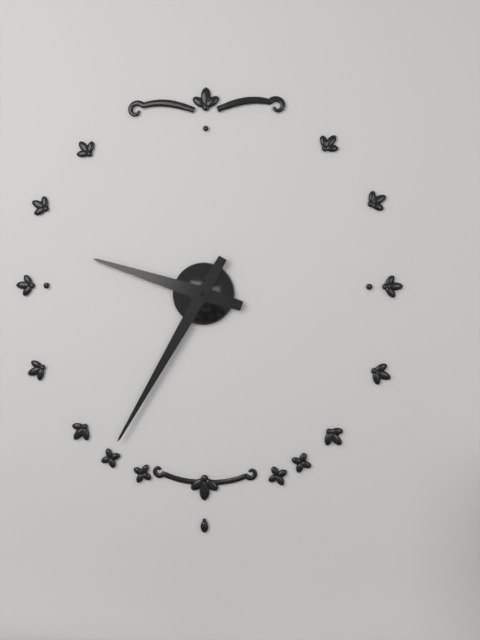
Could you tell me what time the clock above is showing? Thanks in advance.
9:35
